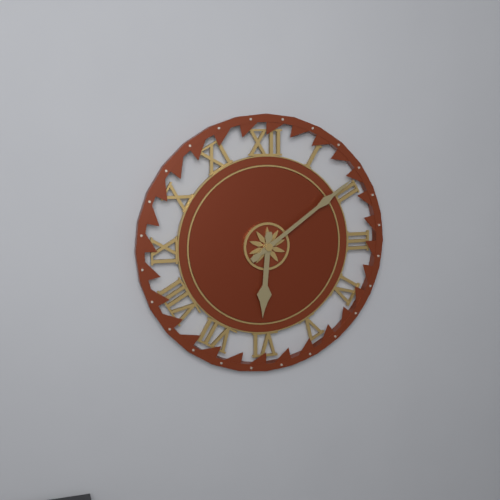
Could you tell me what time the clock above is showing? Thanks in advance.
6:09
